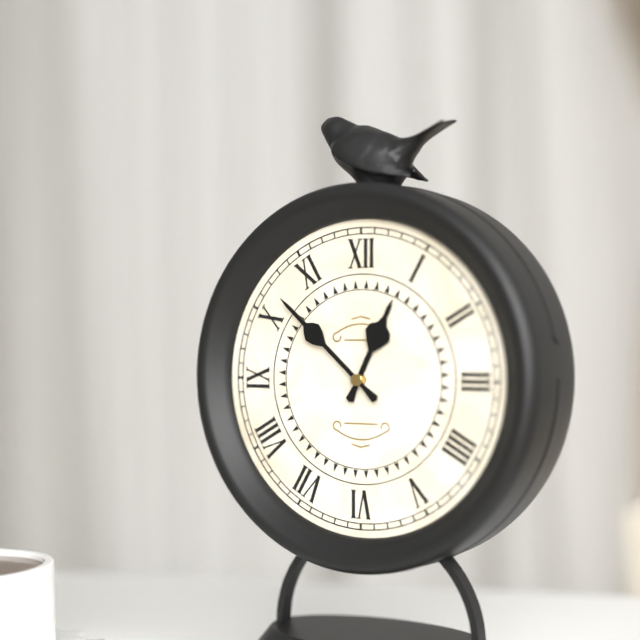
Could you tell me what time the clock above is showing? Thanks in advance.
12:52
